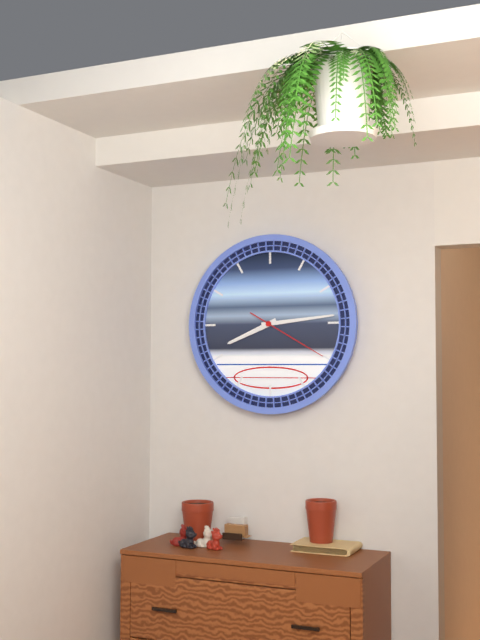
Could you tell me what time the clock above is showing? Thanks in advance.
8:14:20
